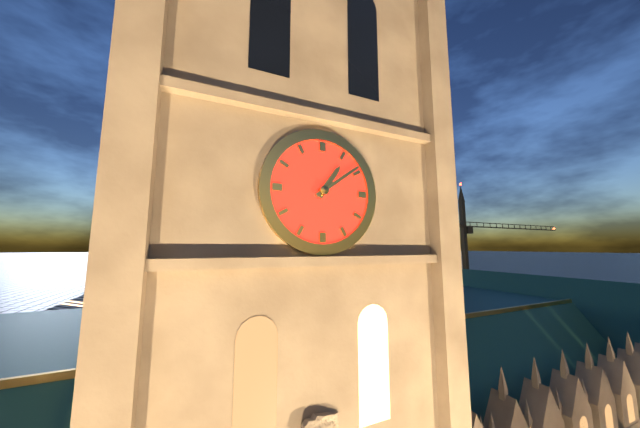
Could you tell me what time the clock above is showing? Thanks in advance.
1:09
